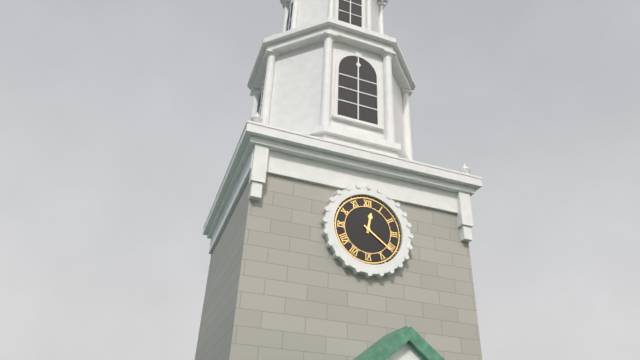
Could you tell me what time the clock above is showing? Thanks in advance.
12:21
